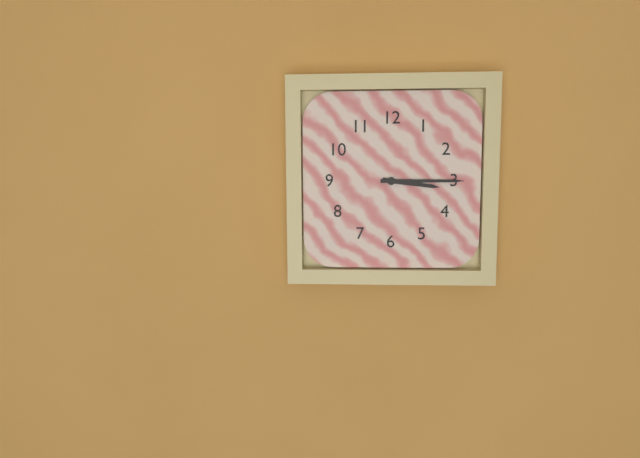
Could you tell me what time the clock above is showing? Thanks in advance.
3:15
